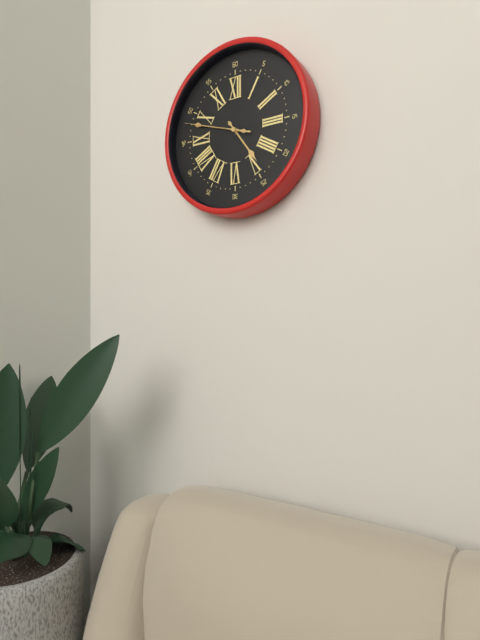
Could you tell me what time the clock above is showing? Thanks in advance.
4:48:48
